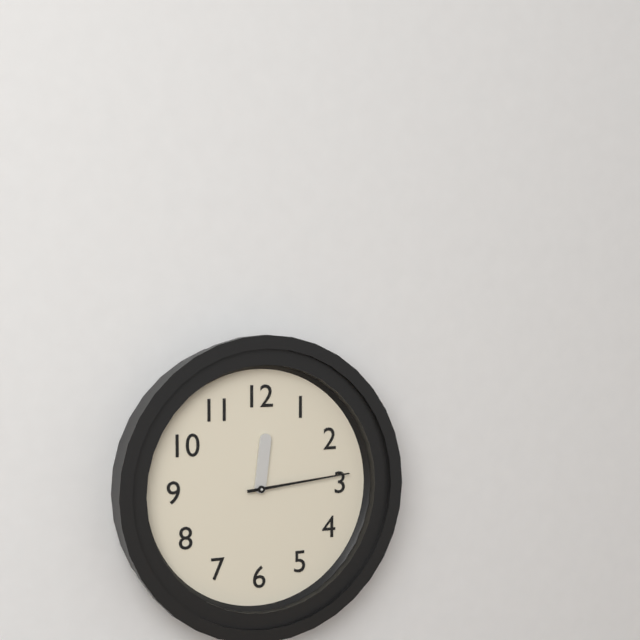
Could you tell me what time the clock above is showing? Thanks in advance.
12:14
